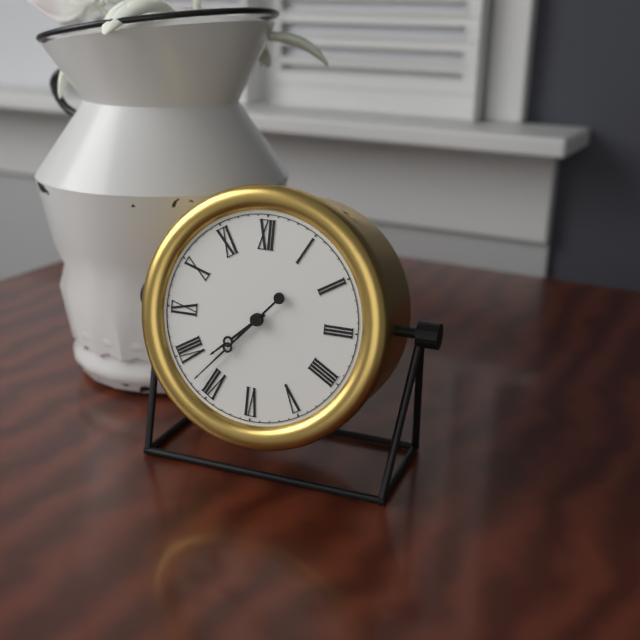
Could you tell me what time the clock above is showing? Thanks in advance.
7:37
